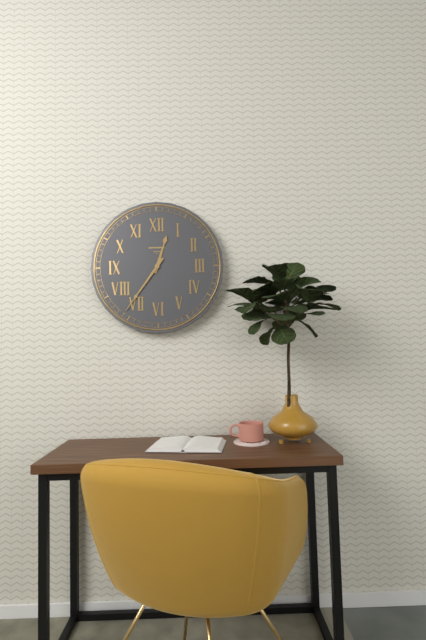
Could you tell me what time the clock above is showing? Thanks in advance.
12:36
